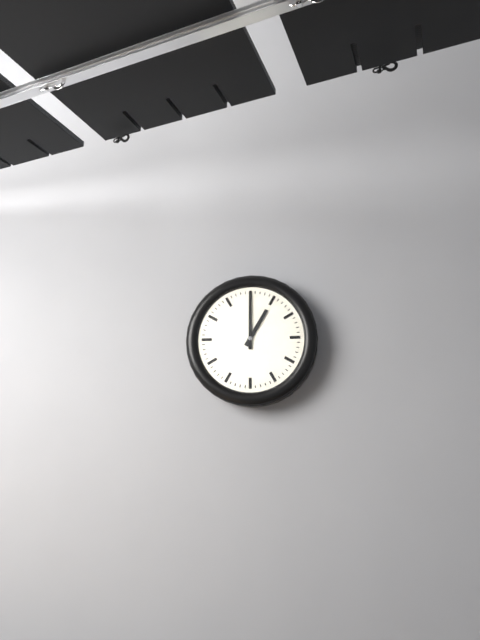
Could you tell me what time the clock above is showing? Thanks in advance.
1:00
